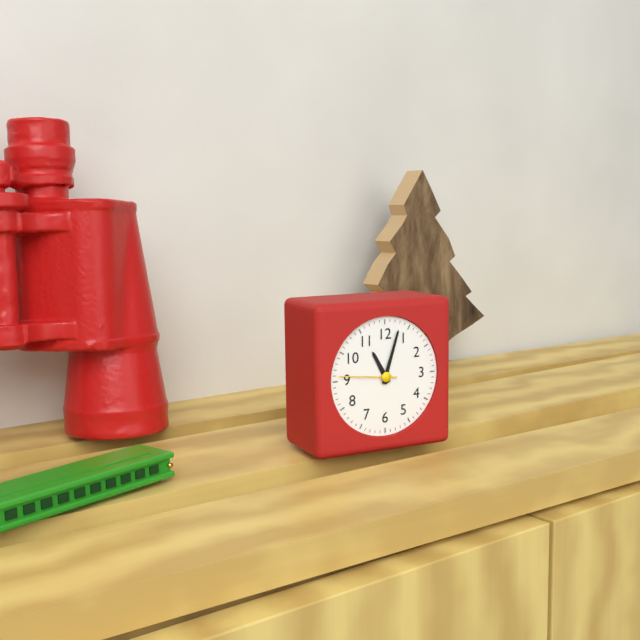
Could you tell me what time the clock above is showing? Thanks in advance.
11:03:46
